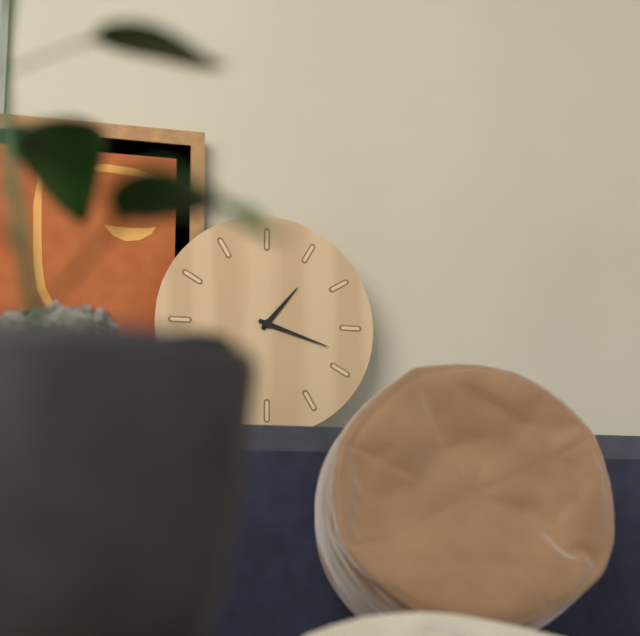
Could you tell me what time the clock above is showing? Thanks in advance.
1:18
